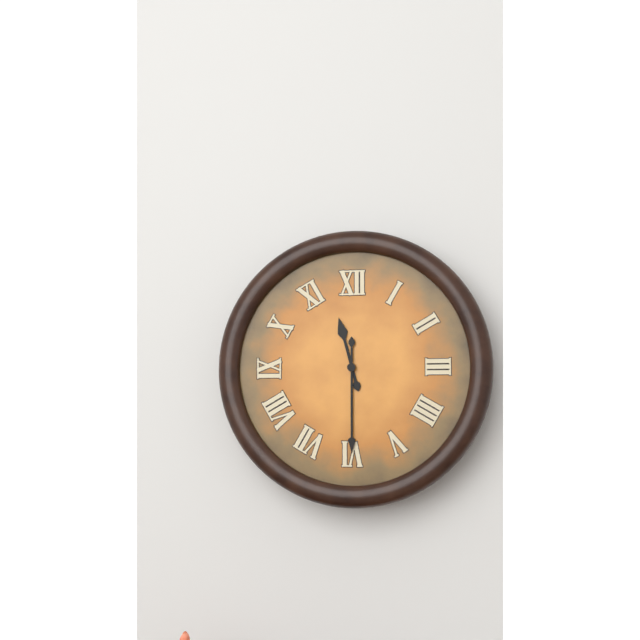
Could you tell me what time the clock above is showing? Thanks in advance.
11:30
